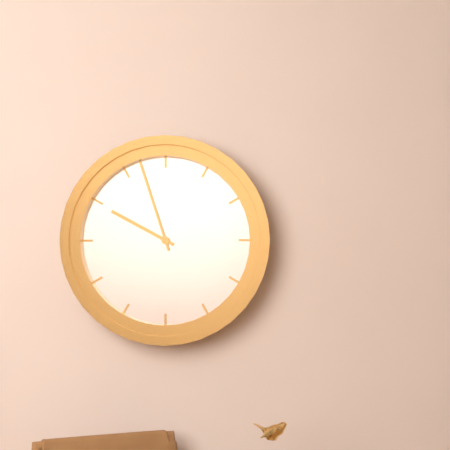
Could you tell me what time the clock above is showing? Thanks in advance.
9:57
